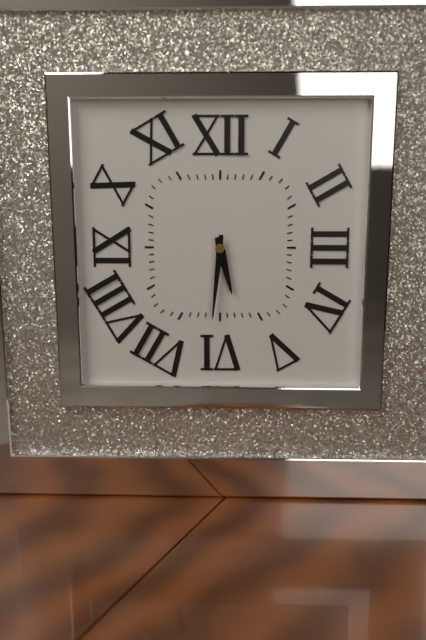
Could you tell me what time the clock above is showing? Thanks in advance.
5:31
